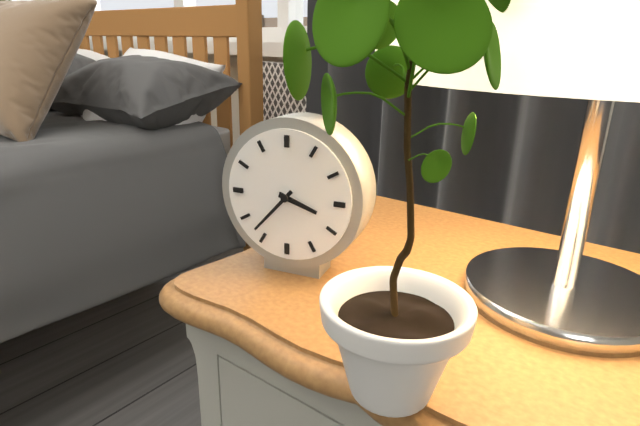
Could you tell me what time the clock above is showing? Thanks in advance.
3:37
